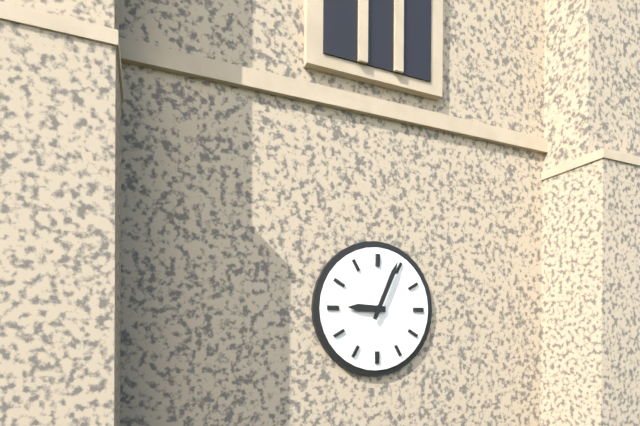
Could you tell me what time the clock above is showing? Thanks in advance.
9:04
